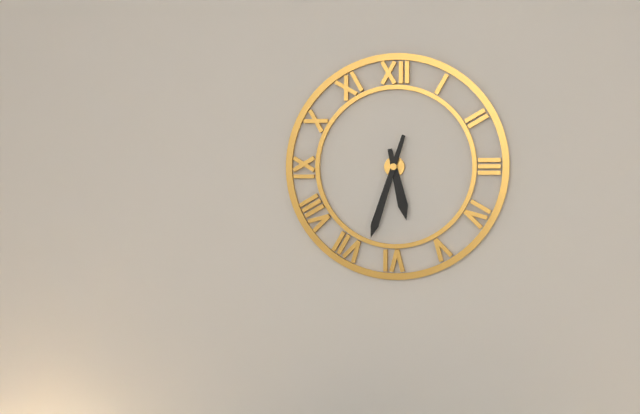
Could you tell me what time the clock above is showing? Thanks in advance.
5:33
